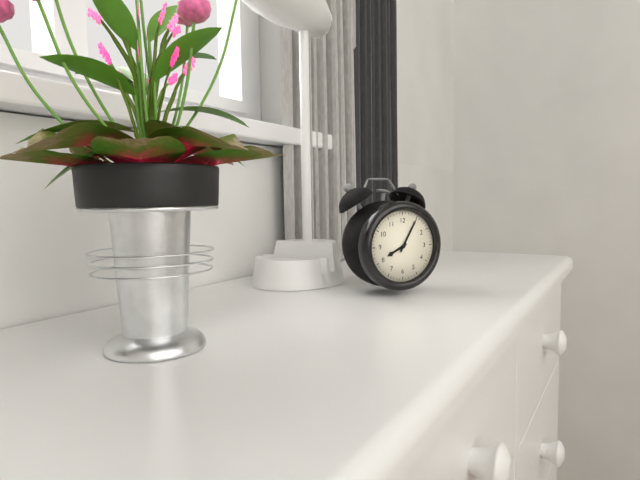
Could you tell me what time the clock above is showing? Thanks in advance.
8:05
